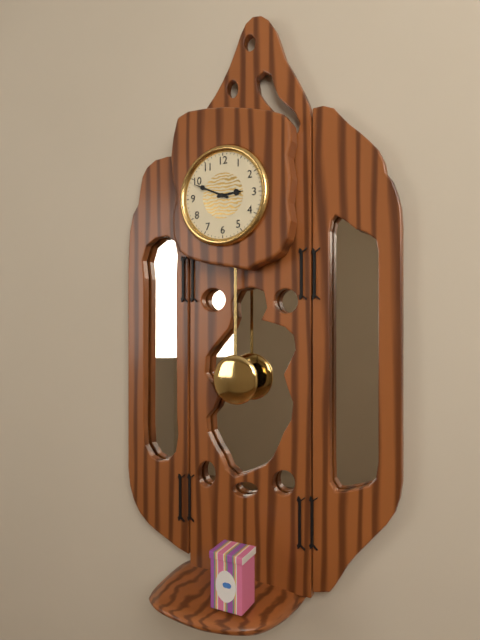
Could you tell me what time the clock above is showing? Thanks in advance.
2:49
